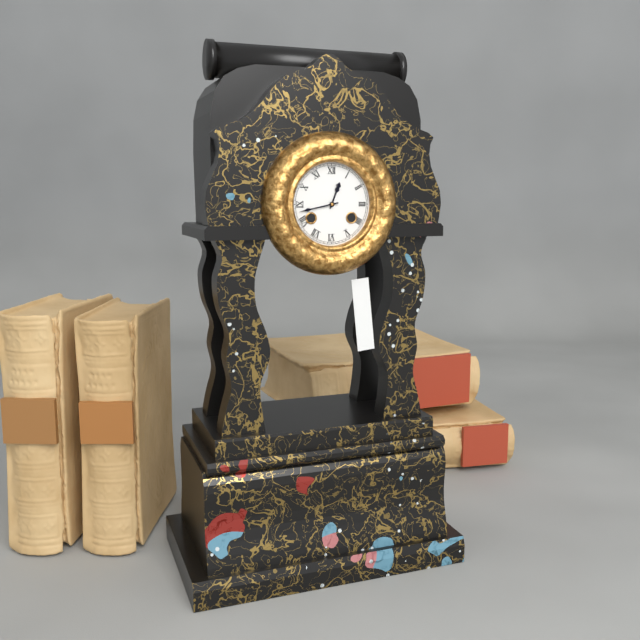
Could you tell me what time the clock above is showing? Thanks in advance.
12:43
